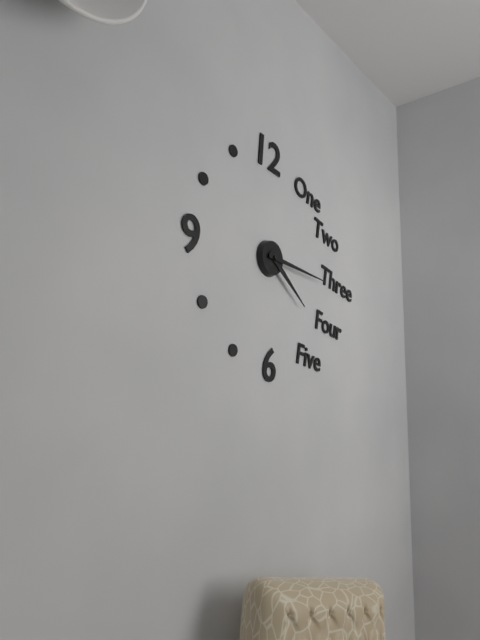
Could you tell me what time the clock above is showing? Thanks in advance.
4:16
